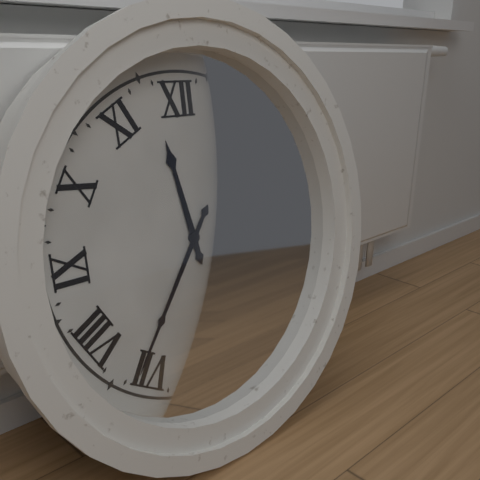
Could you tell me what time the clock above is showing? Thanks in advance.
11:36
